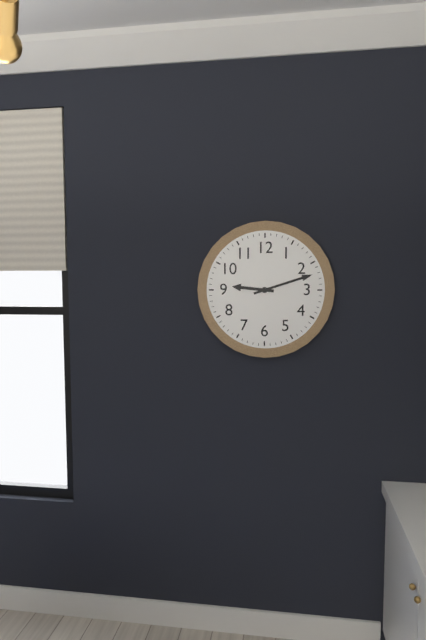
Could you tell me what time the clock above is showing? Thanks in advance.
9:12
